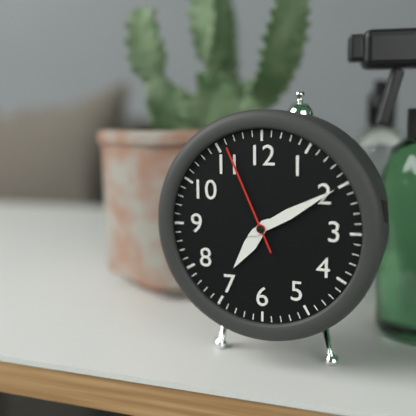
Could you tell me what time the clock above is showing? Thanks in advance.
7:10:56
